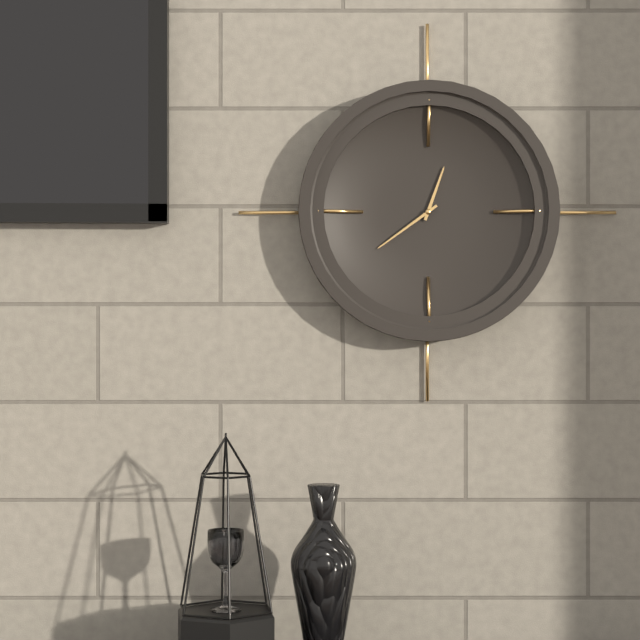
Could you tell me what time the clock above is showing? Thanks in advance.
12:39
